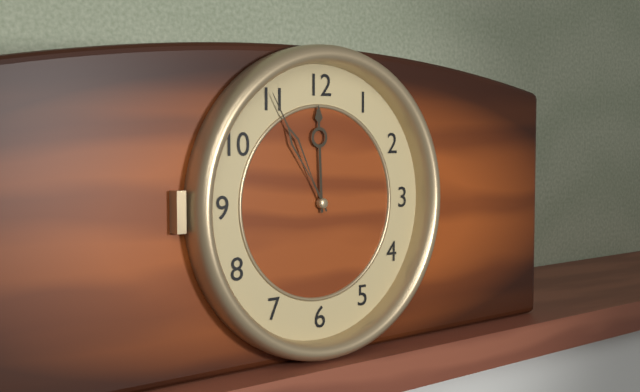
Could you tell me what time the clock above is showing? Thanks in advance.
11:55
